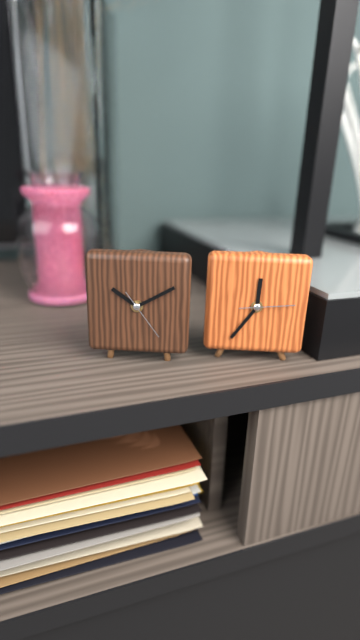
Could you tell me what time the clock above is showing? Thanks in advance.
10:10
